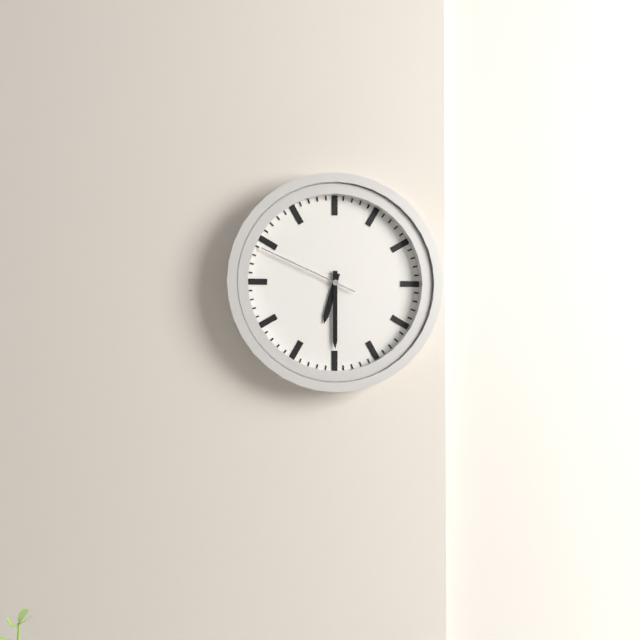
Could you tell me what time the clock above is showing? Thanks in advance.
6:30:49
